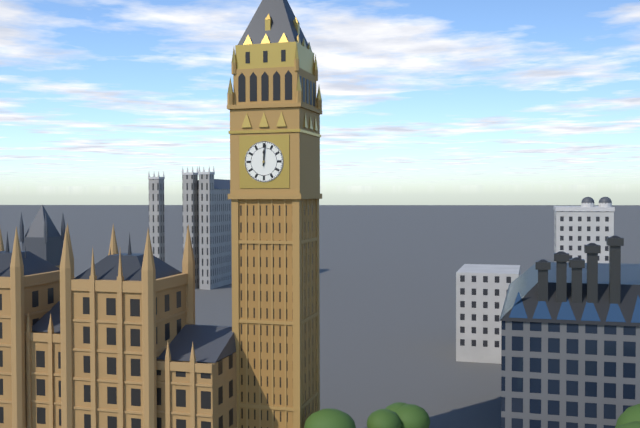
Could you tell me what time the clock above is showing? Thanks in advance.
12:01
